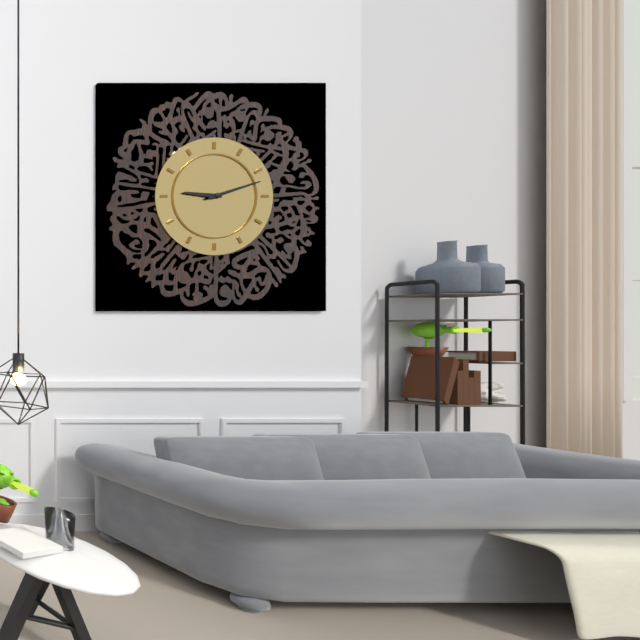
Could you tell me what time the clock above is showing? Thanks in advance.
9:12
